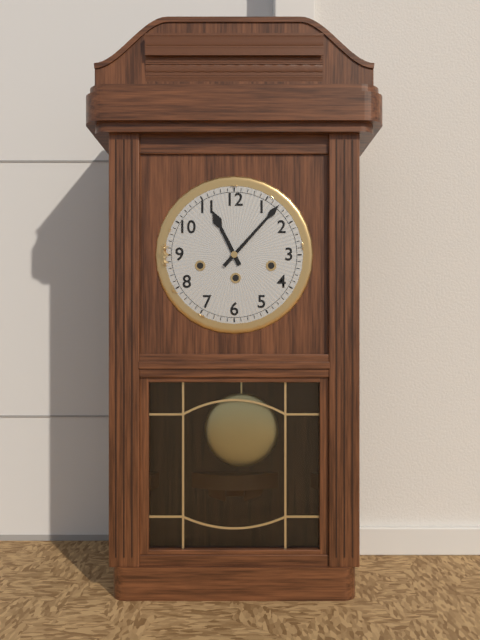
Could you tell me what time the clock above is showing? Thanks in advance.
11:07
